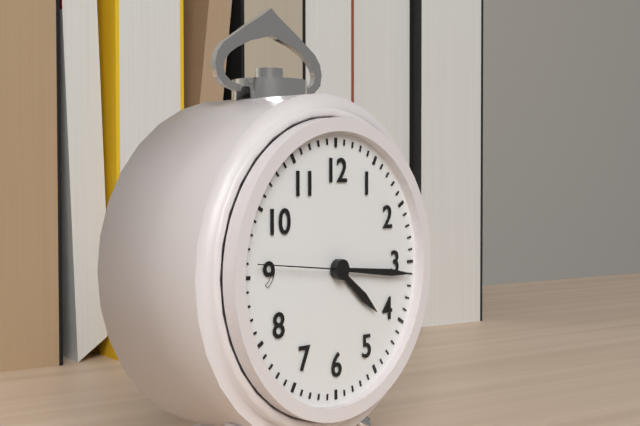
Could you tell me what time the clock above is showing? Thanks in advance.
4:16:46
